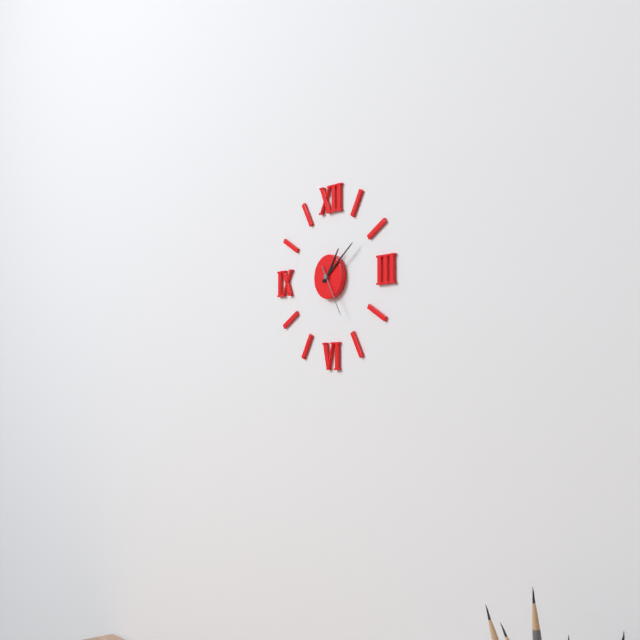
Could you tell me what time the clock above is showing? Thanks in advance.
1:09:25
